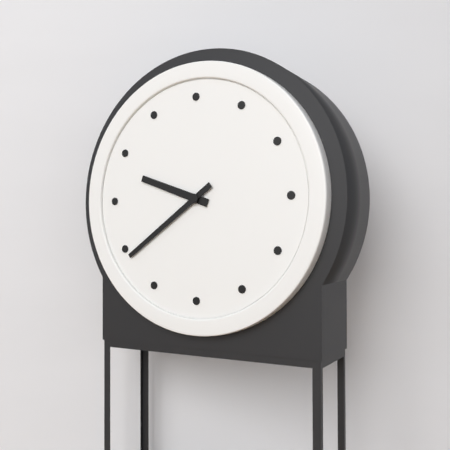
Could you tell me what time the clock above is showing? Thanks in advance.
9:39
